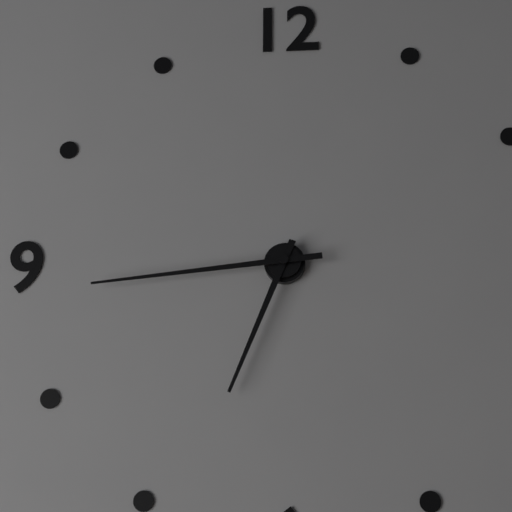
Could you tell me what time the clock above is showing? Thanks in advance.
6:44
